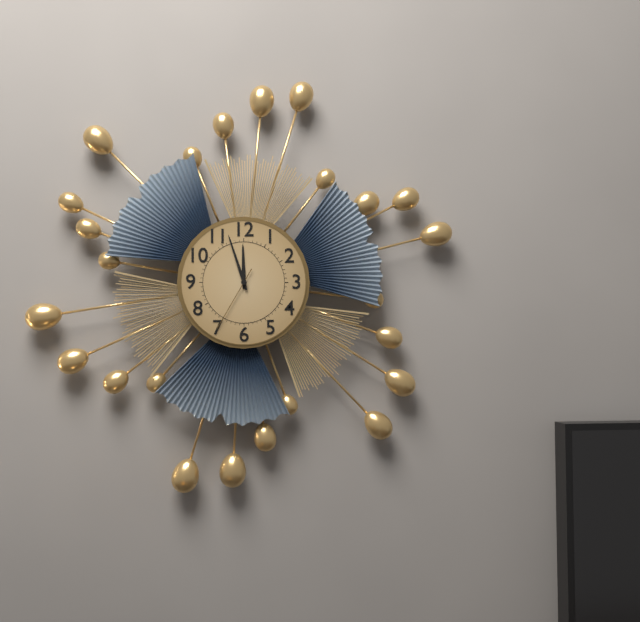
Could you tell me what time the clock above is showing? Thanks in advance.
11:57:35
